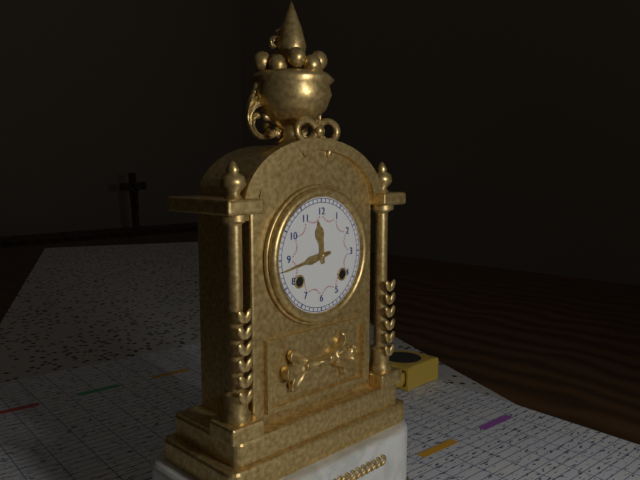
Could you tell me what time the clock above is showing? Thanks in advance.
11:43
